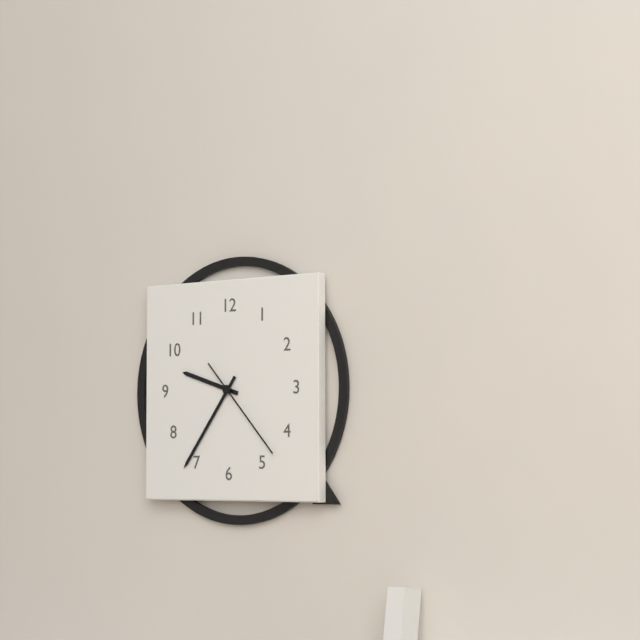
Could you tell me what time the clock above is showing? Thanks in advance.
9:36:23
